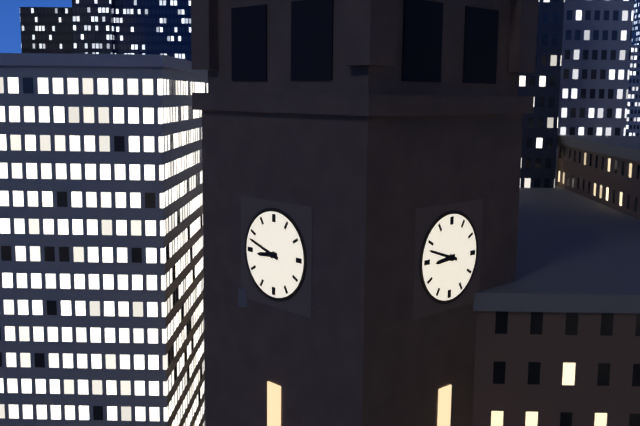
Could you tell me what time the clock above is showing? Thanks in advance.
8:48
